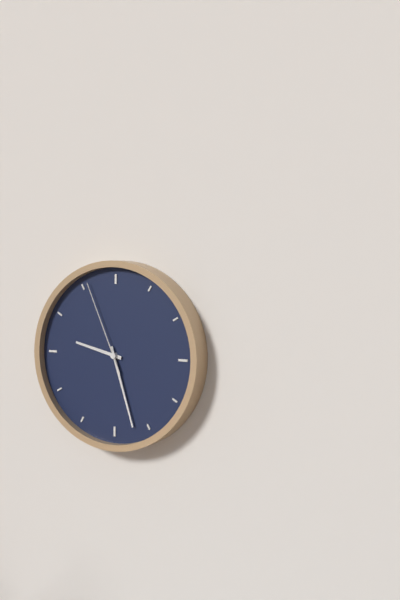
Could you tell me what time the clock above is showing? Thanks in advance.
9:27:56
